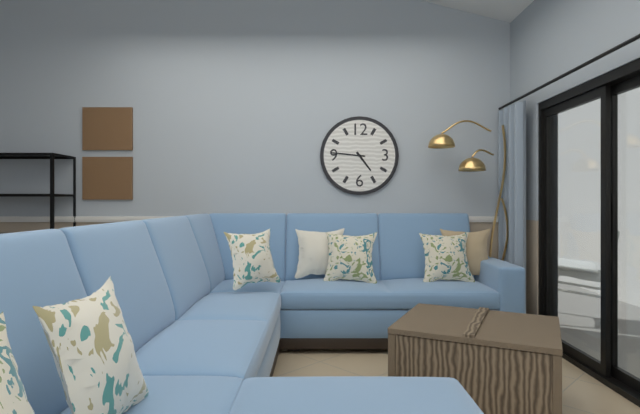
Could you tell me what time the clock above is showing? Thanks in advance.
4:46
